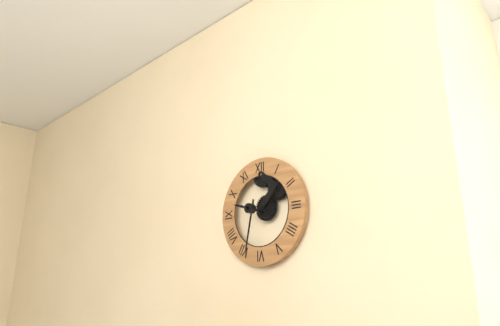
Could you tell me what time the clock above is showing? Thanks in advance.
9:32
